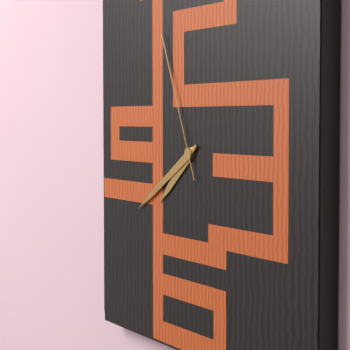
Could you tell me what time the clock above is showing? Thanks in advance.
7:40:56
